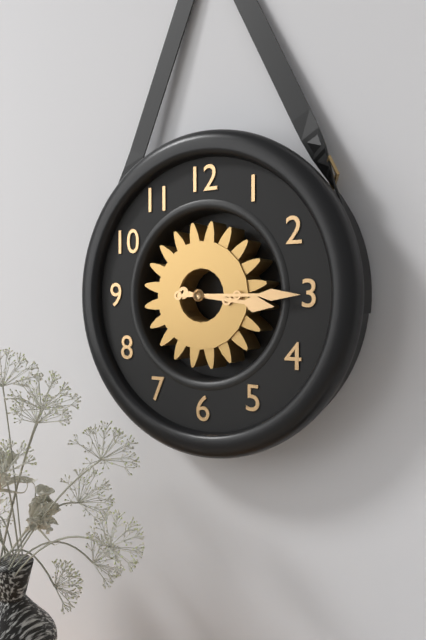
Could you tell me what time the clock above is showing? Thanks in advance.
3:15
